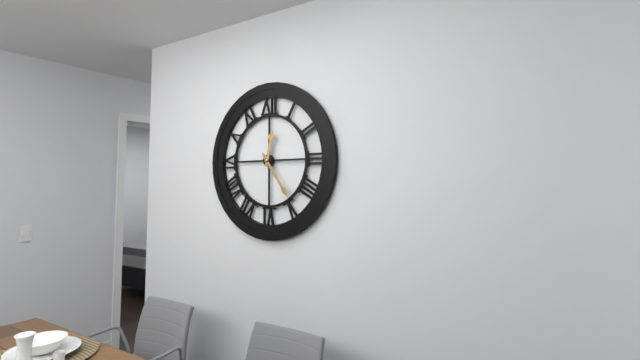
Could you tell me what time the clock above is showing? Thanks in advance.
12:24
